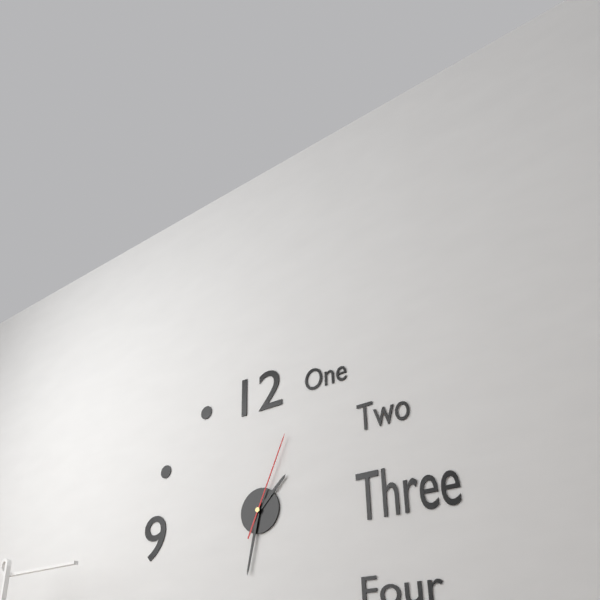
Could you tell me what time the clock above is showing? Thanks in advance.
1:32:04
